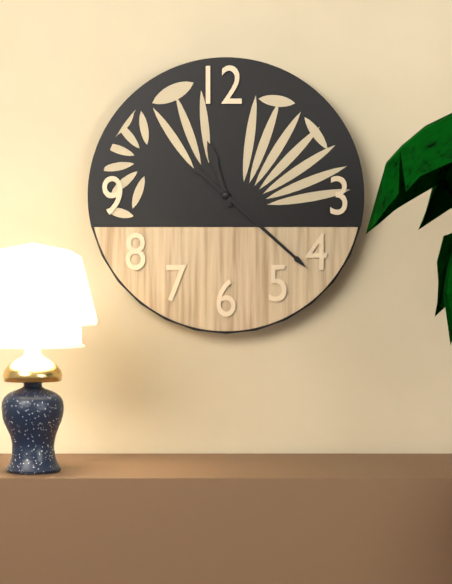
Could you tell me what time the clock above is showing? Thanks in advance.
11:22
